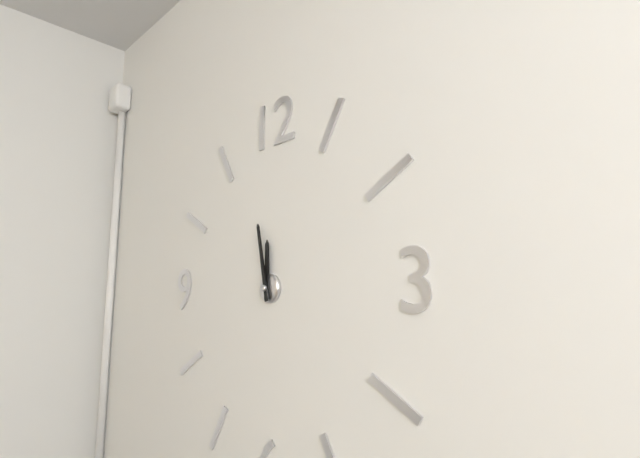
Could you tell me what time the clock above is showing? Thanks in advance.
11:58
